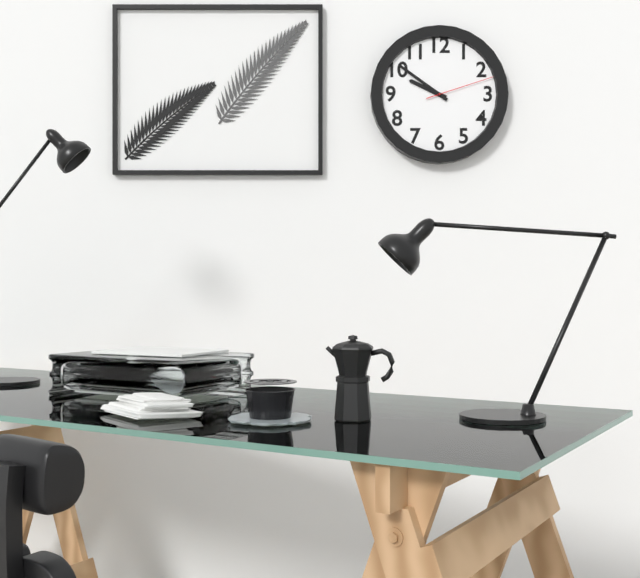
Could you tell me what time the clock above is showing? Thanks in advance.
9:51:12
